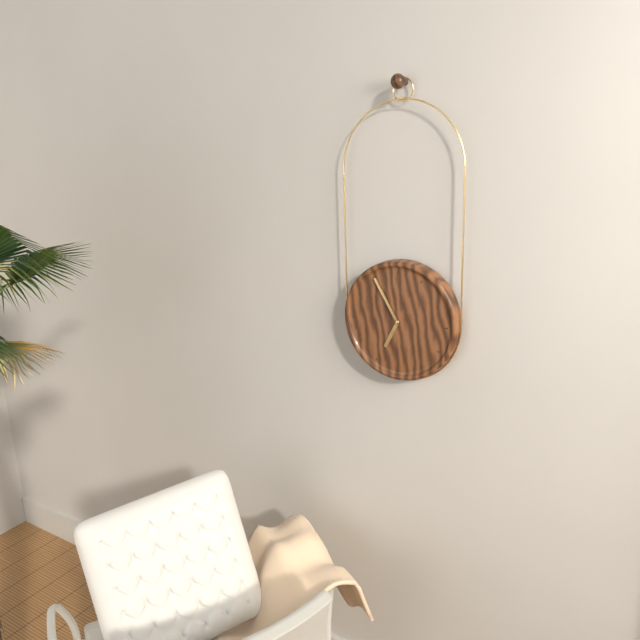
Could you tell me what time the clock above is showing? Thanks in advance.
6:55
